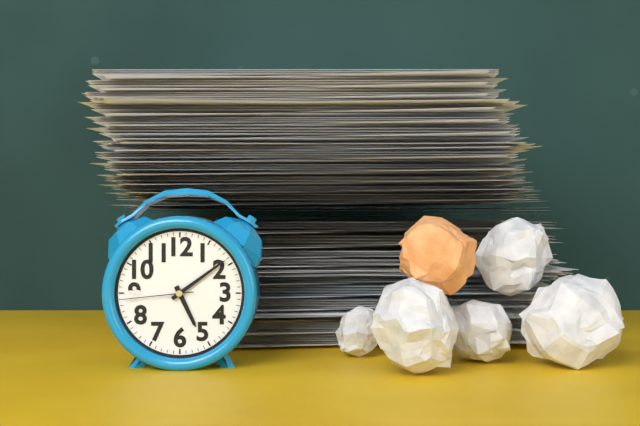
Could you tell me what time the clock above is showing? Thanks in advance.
5:09:44
